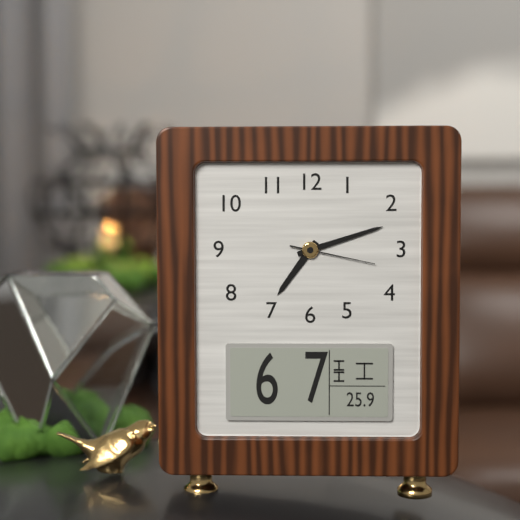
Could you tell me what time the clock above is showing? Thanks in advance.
7:12:17
